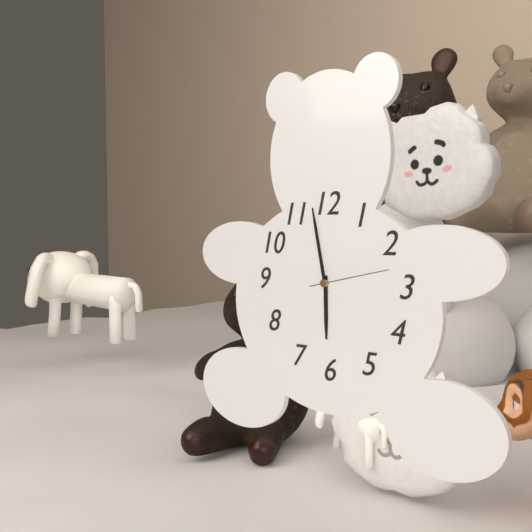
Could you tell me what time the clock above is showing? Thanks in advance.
5:58:13
